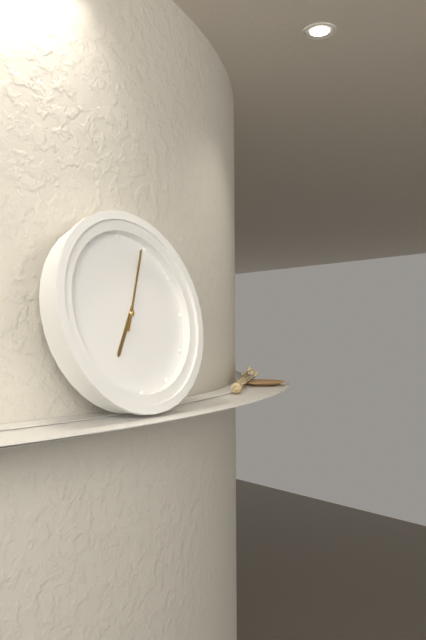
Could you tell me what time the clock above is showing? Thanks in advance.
7:04
